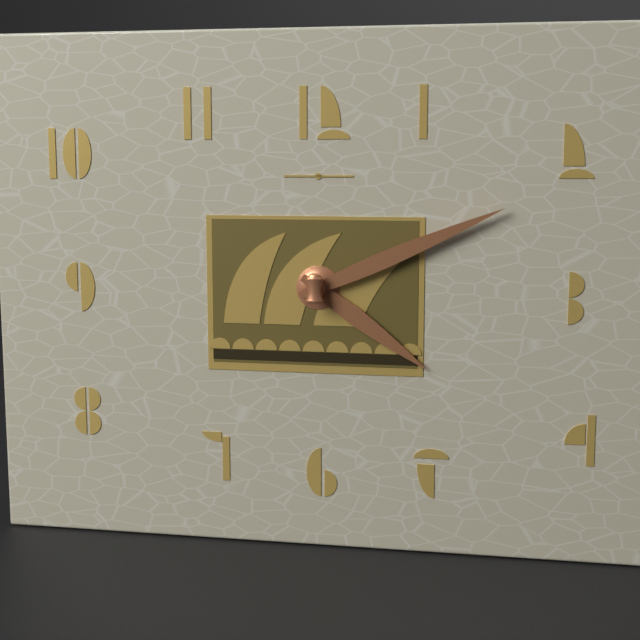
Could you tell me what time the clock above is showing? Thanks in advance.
4:11
